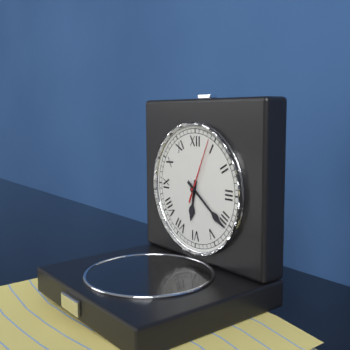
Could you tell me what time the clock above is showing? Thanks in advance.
6:21:04
